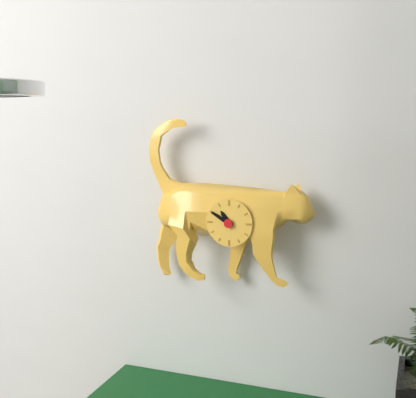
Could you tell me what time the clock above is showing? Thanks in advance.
10:50
